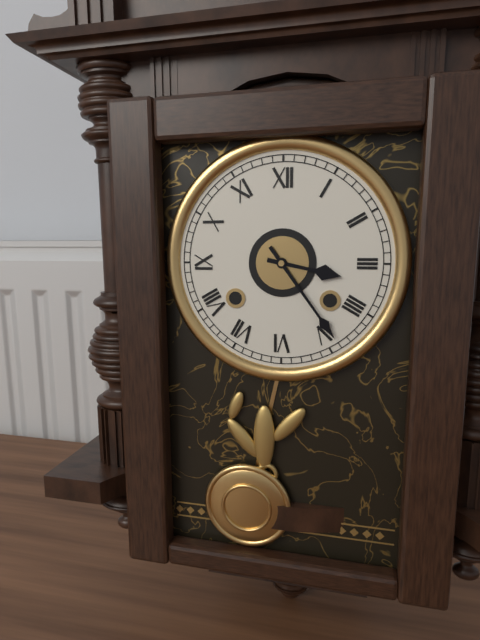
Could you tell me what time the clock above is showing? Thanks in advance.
3:24
